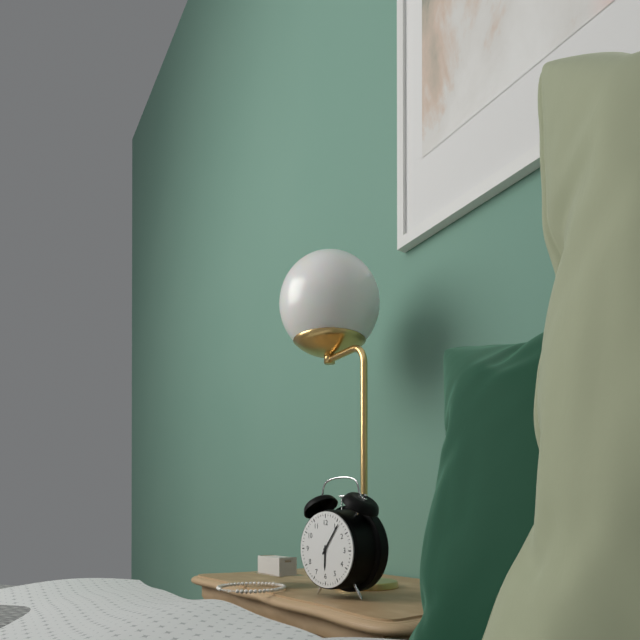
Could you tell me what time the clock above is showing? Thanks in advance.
6:06
